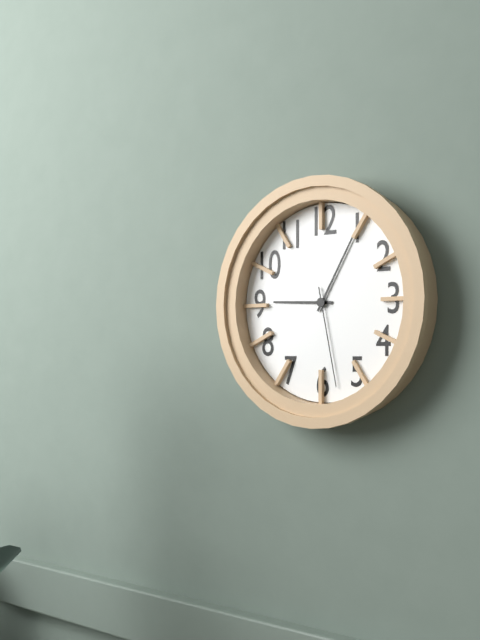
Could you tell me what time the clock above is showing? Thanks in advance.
9:05:28
